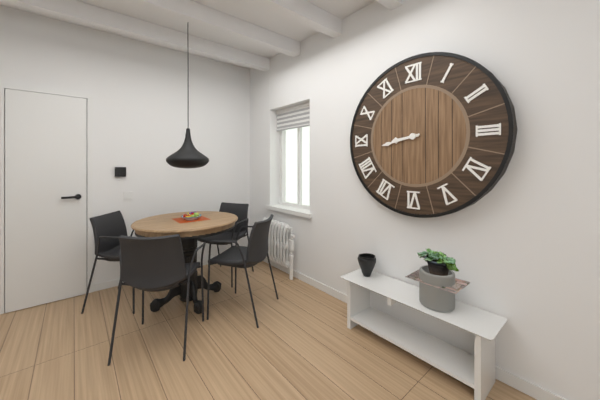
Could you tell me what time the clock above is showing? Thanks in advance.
8:43
